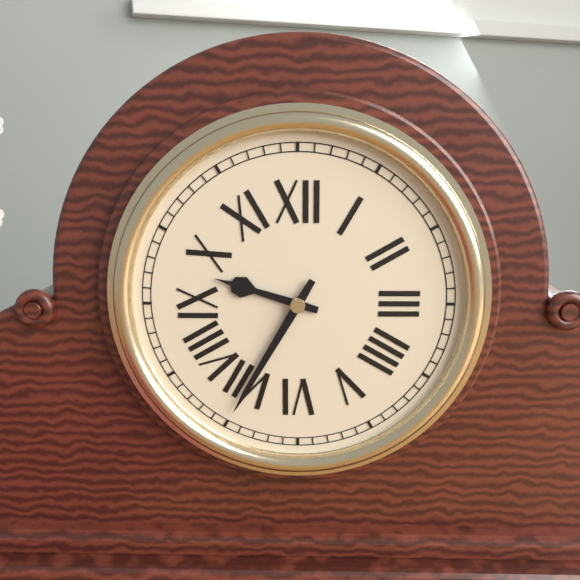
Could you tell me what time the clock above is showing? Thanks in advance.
9:35
